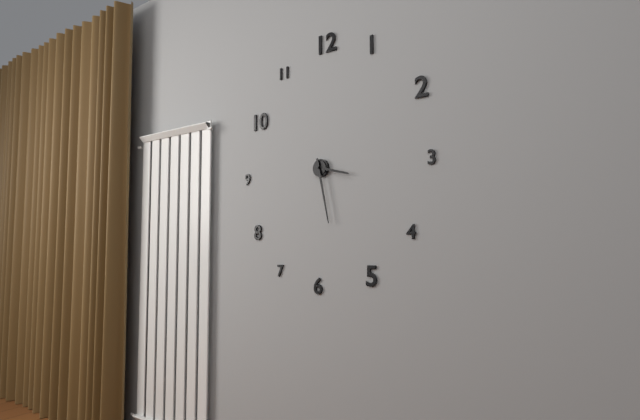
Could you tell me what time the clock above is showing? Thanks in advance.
3:28
